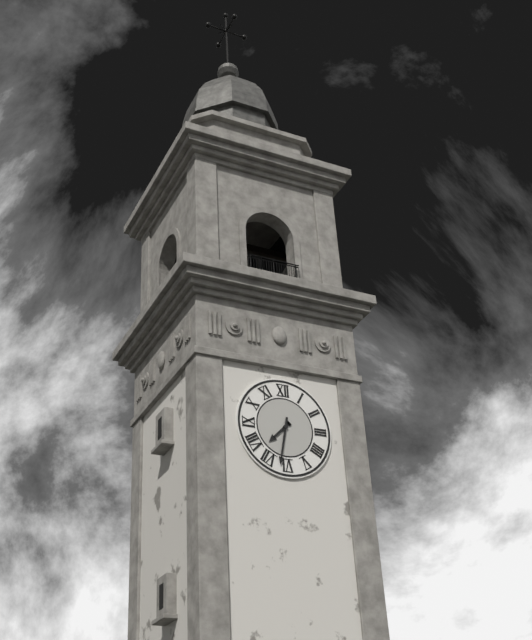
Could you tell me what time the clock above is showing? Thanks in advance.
7:32
